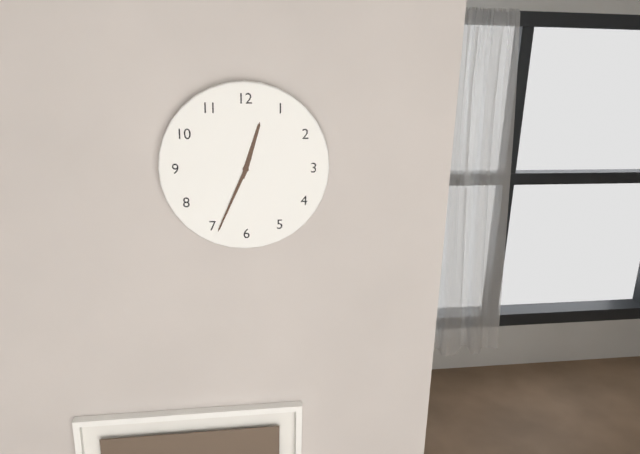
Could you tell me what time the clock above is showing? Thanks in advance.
12:34
